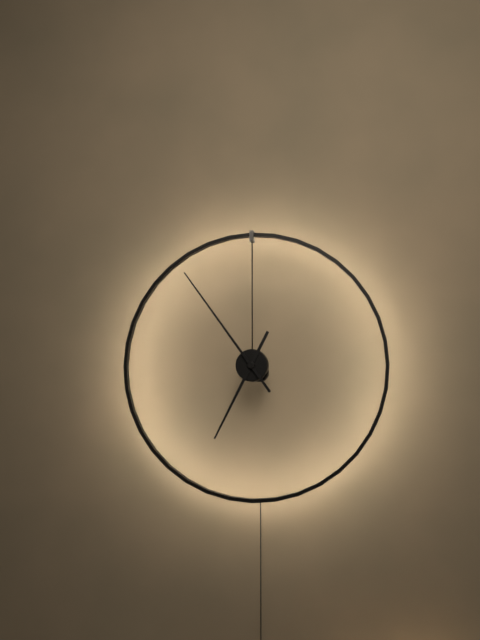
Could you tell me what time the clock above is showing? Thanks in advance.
6:54
